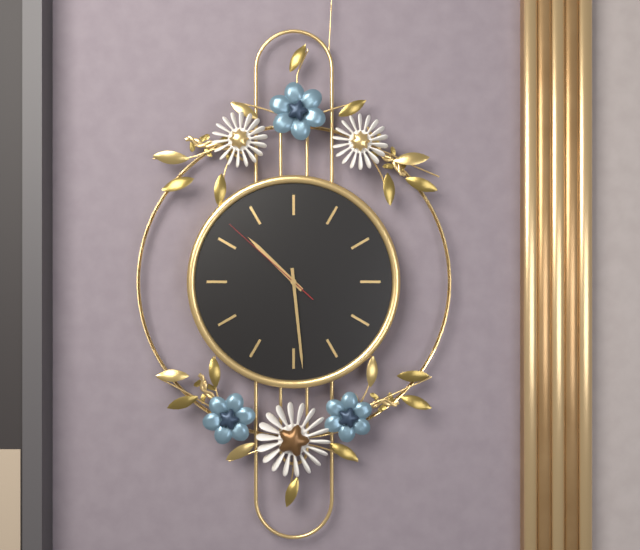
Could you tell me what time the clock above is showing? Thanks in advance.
10:29:52
